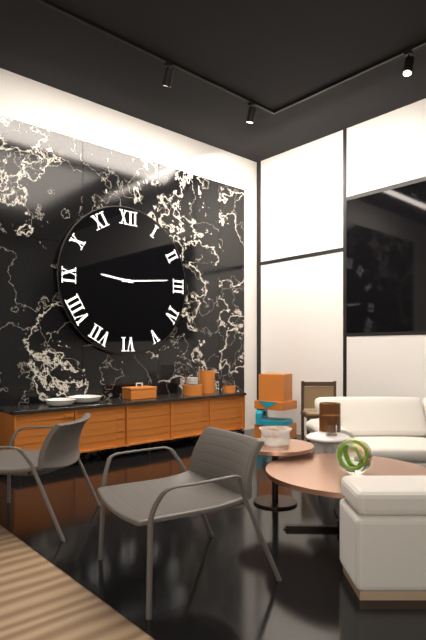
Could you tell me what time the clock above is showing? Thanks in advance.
9:14
